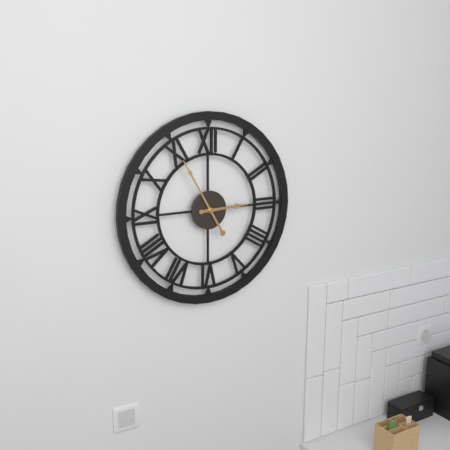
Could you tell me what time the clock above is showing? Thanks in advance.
2:55
